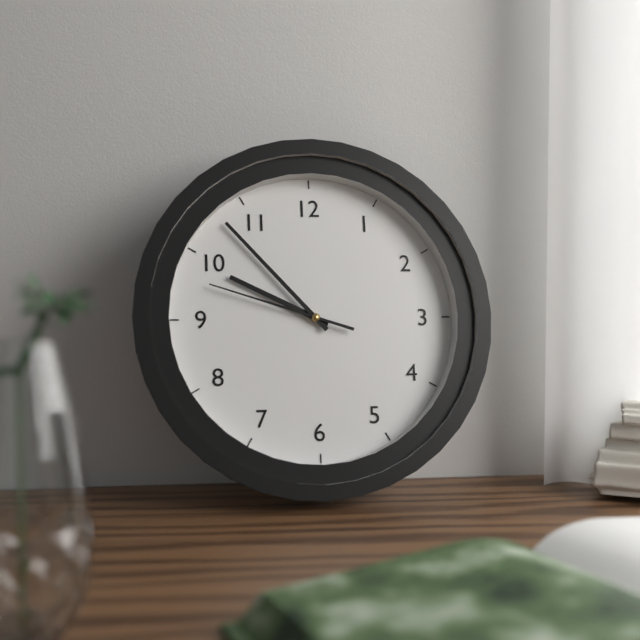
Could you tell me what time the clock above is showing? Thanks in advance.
9:53:48
